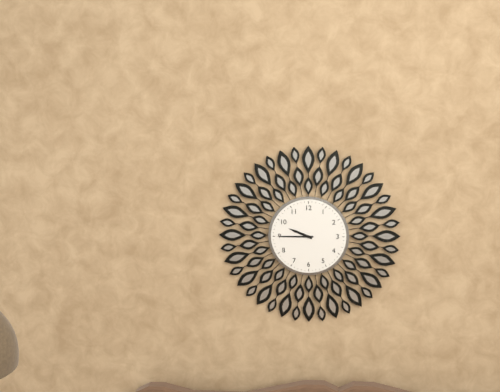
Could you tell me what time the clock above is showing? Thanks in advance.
9:45
